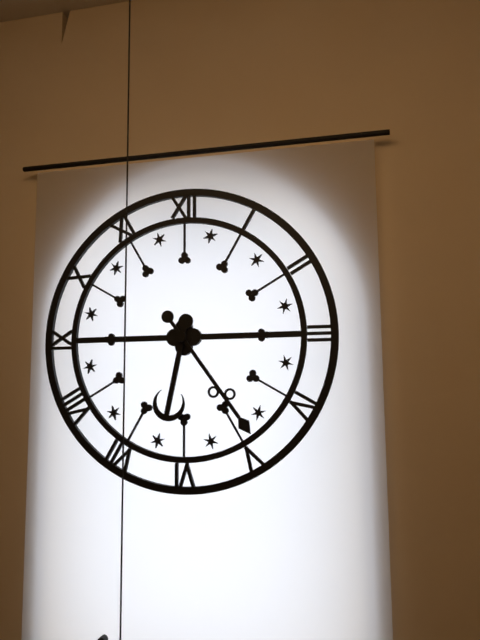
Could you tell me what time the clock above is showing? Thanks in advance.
6:24
